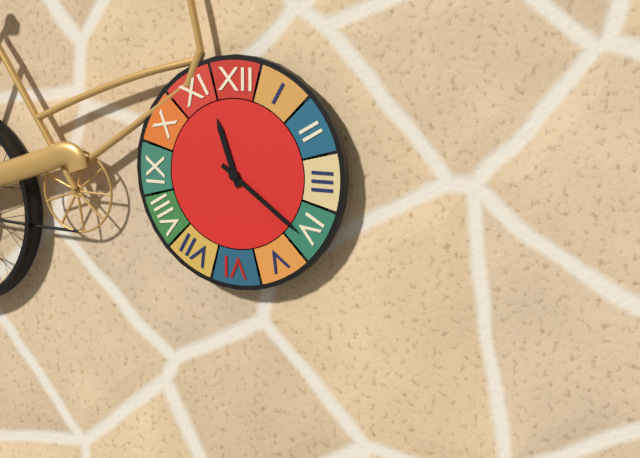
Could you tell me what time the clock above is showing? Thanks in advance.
11:21
